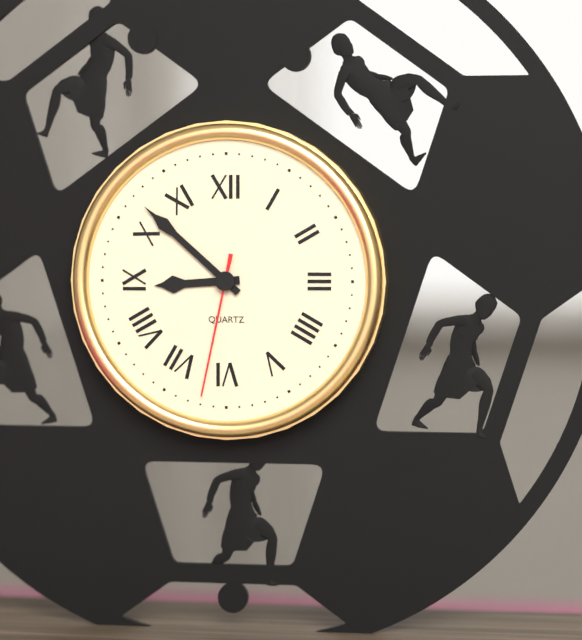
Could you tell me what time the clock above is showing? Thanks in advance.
8:52:32
